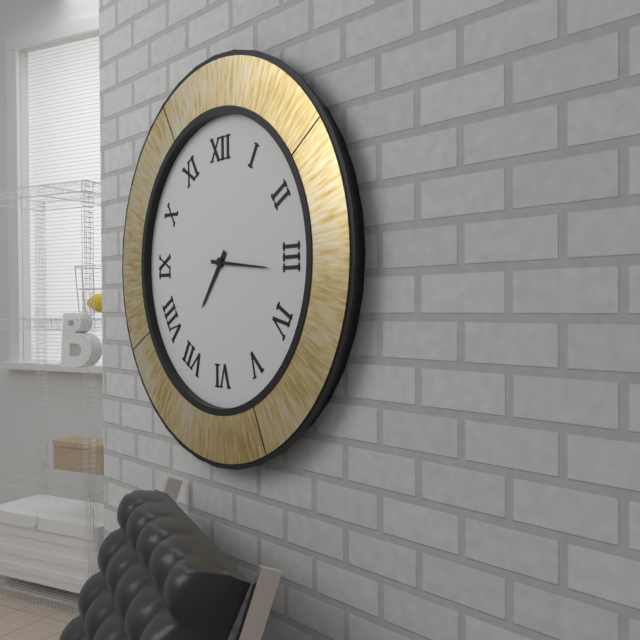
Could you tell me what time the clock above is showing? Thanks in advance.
7:16
